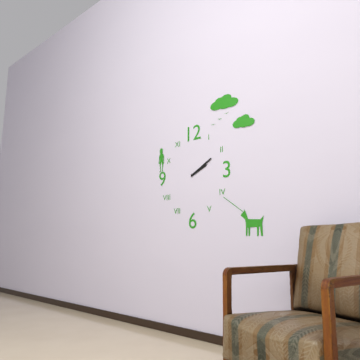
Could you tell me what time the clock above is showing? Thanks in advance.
2:10
